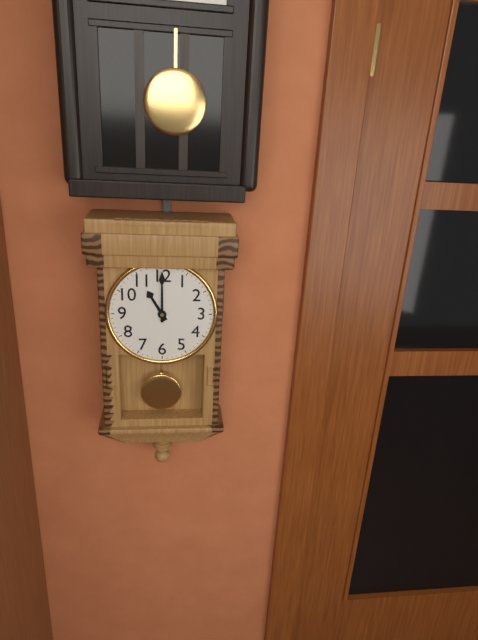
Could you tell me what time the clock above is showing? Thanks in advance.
11:00
